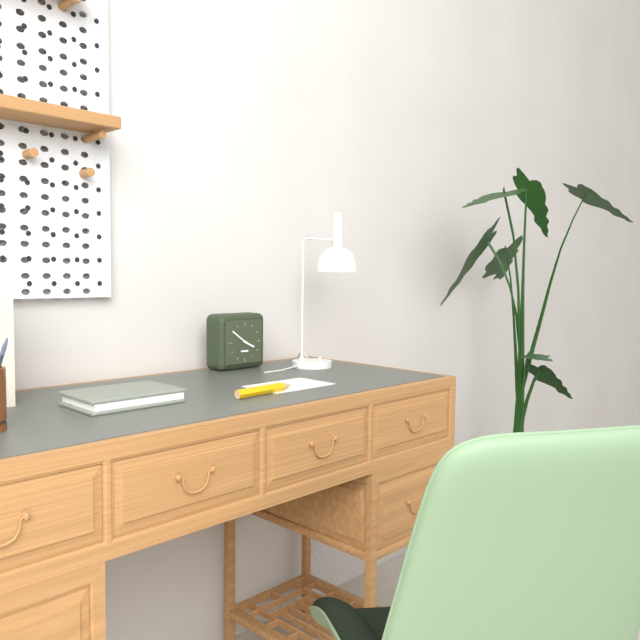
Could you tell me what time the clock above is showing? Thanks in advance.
3:51
